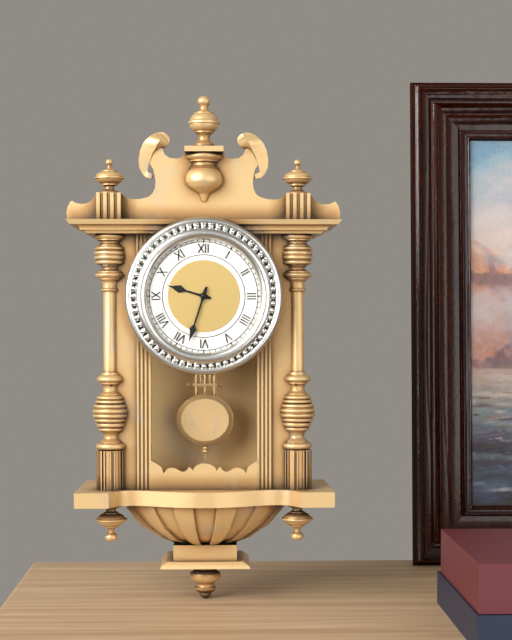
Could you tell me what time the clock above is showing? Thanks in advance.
9:33
